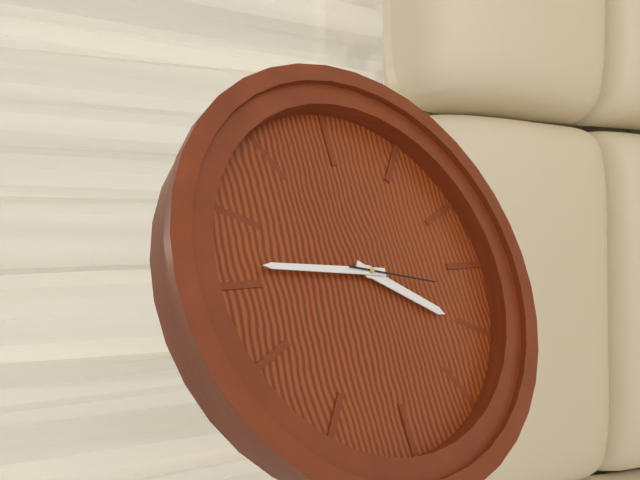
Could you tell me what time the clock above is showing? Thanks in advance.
7:01:32
